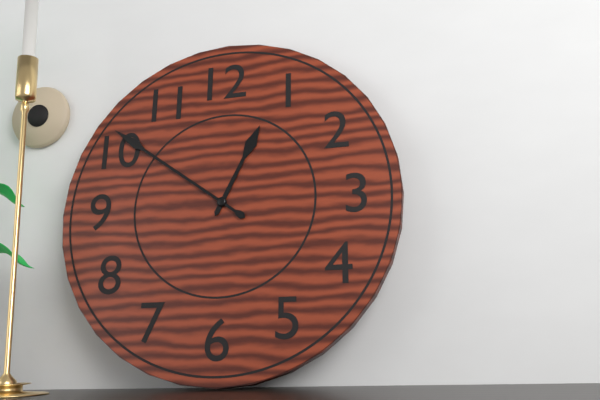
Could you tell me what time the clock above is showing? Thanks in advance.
12:51
